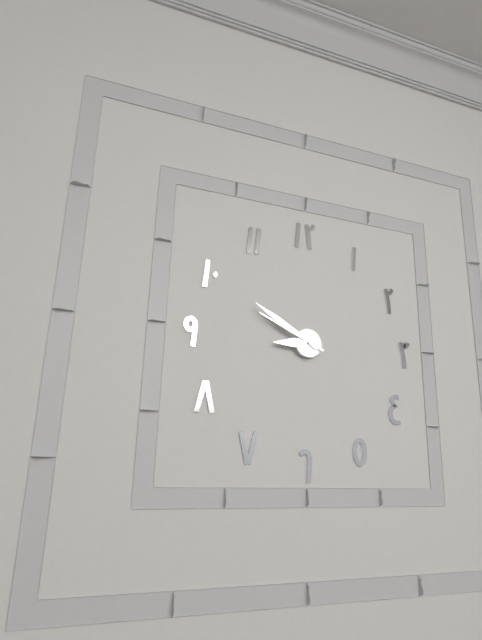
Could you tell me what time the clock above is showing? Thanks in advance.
8:50:49
